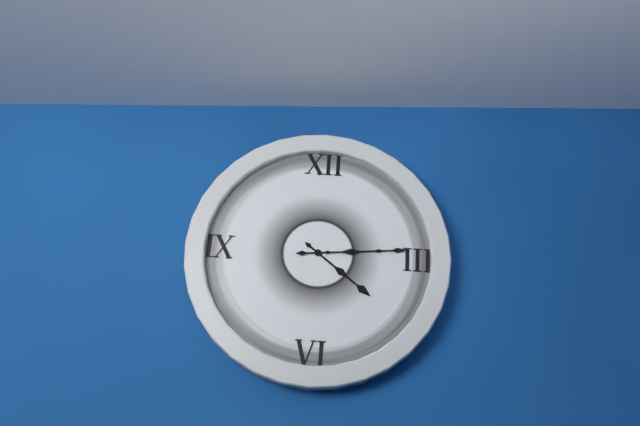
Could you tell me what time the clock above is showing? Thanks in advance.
4:14
